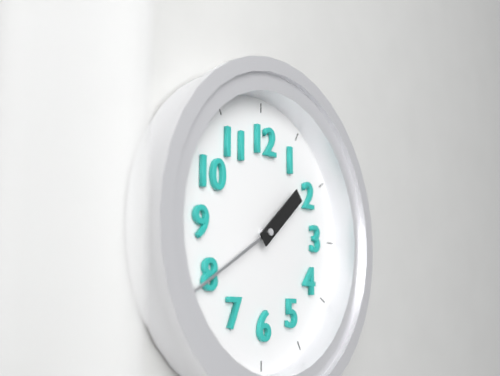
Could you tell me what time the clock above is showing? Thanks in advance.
1:40
